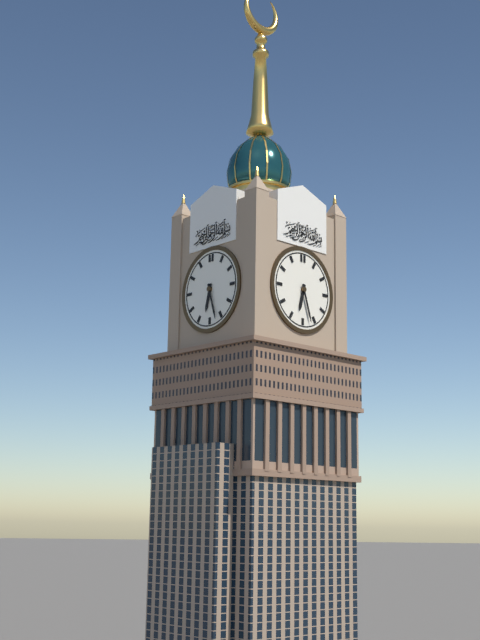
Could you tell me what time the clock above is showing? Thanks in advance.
6:27
